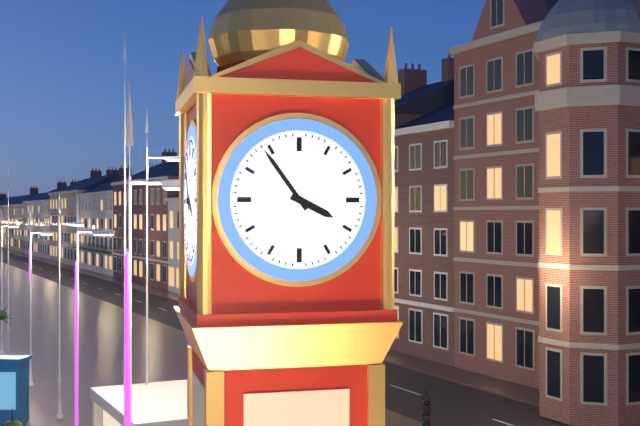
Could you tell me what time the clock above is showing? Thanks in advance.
3:54
